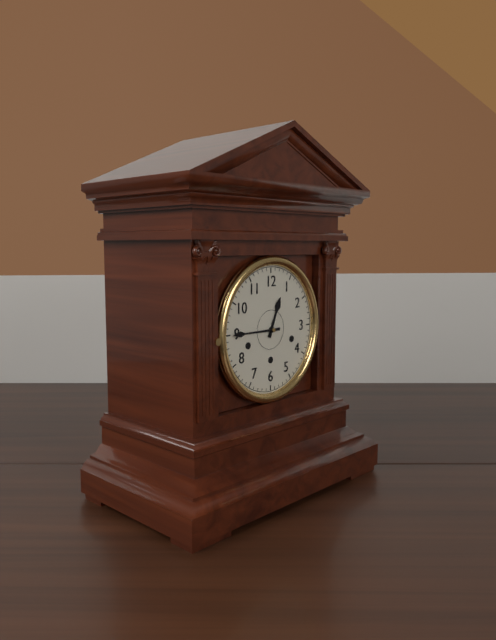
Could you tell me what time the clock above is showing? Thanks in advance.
12:45
